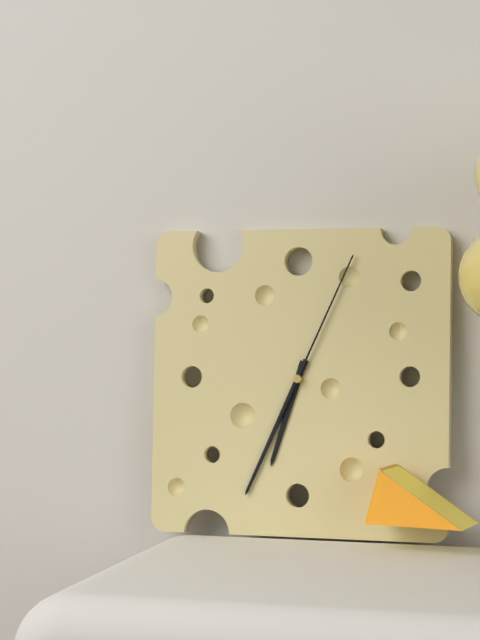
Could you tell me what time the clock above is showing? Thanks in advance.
6:34:04
